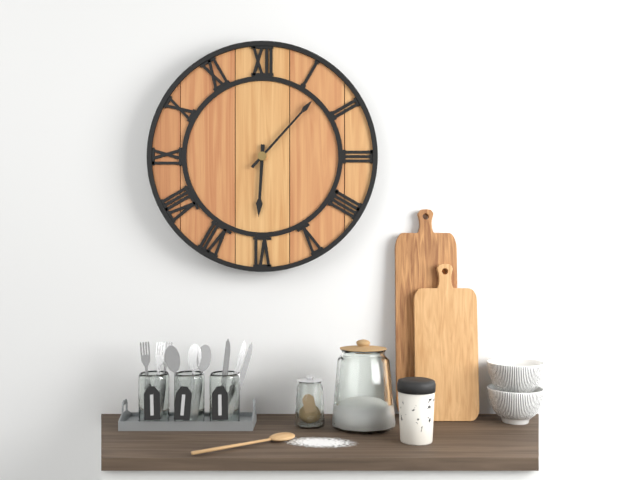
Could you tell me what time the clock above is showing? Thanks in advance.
6:07
